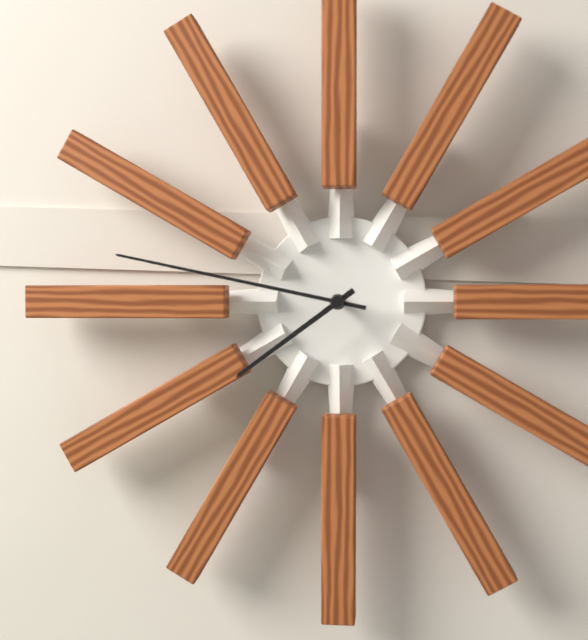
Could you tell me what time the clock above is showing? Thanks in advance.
7:47
